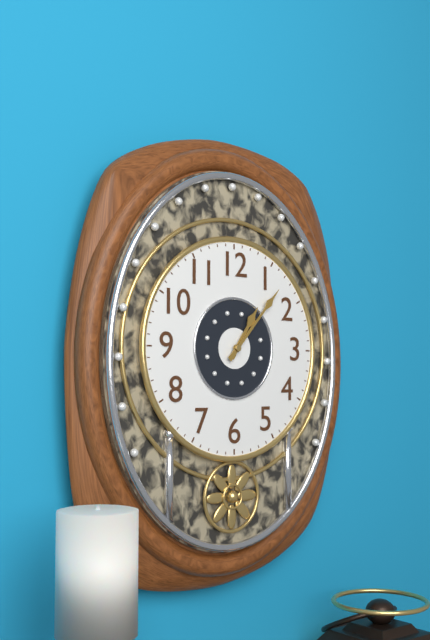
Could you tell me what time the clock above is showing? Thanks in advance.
1:07
